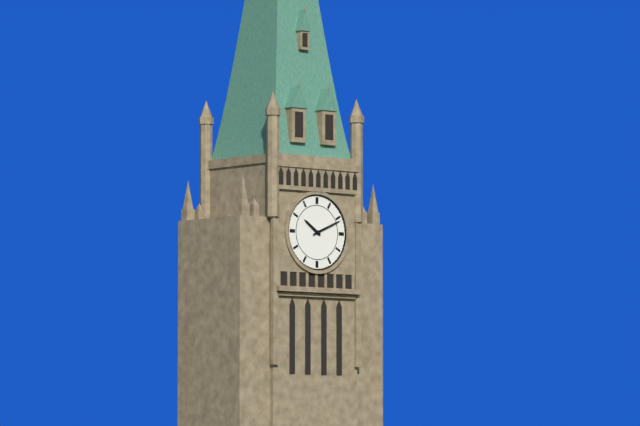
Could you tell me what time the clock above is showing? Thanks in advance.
10:11
